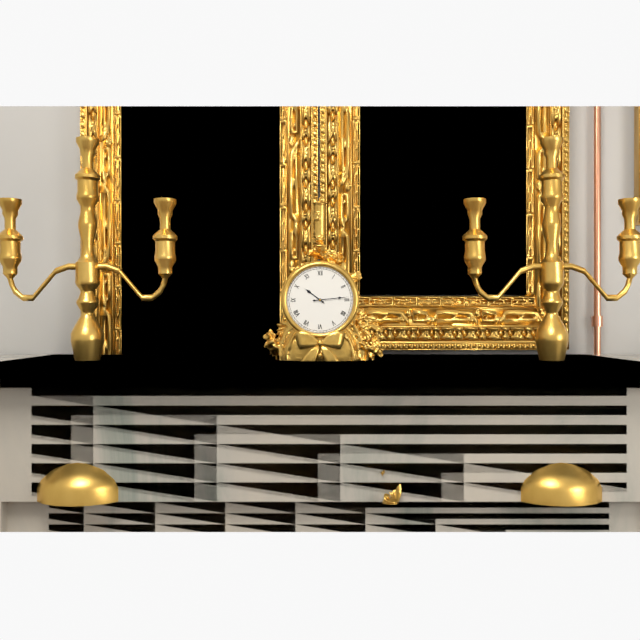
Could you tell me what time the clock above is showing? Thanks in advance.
10:14
